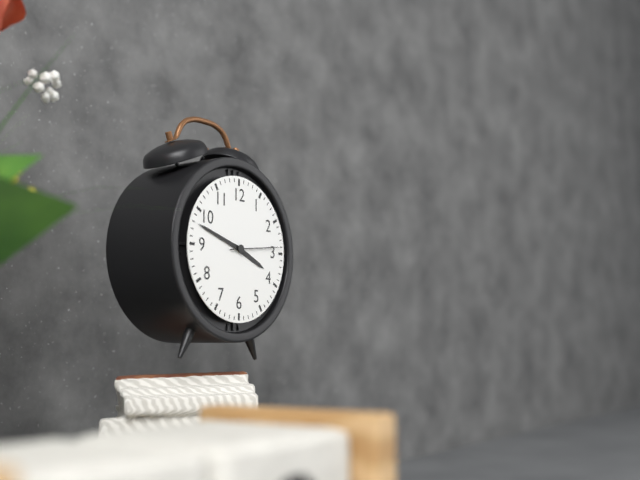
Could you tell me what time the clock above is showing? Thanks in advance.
3:48:14
